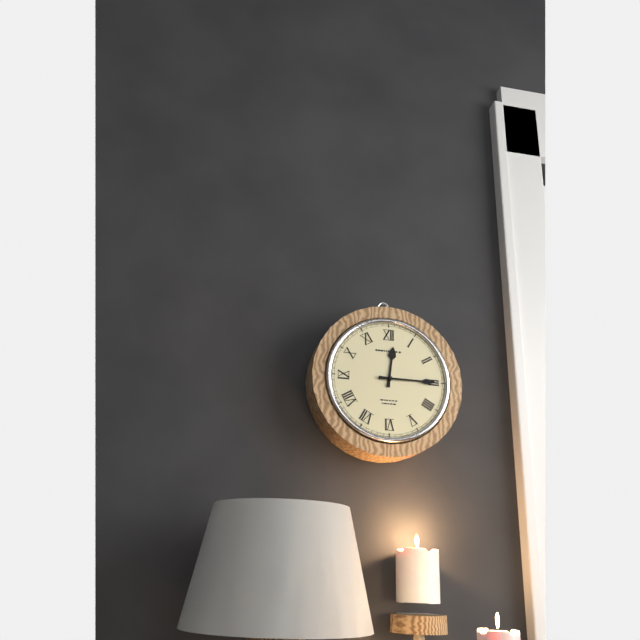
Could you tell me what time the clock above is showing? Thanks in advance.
12:15
